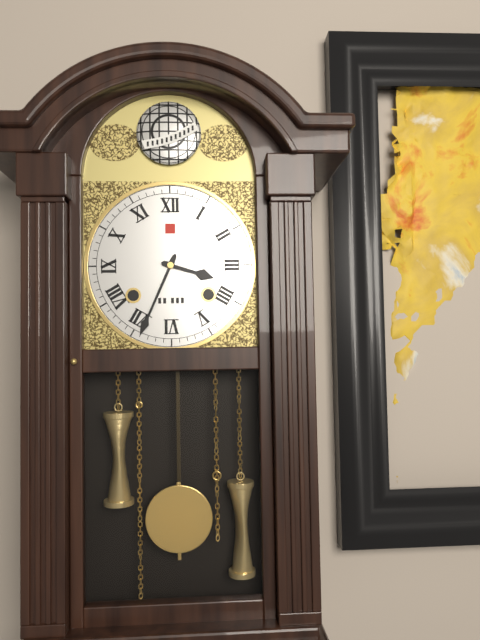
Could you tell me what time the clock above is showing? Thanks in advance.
3:34
